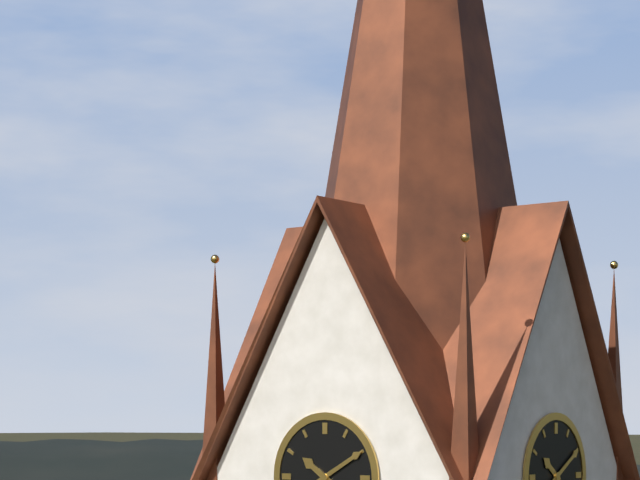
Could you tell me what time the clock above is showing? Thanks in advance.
10:10
